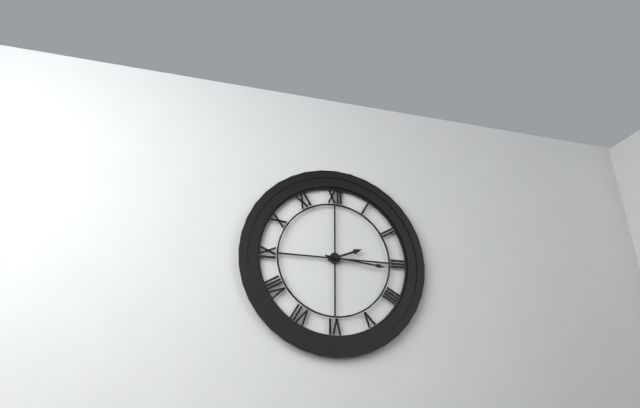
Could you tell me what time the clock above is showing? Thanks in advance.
2:16
